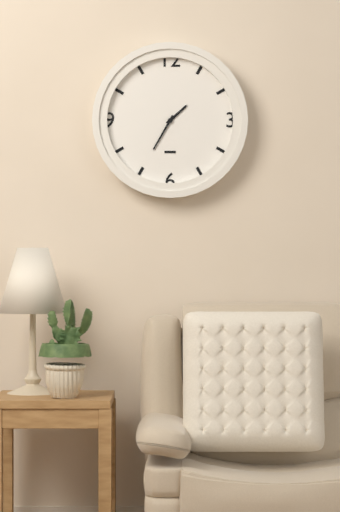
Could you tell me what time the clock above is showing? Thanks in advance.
1:35
